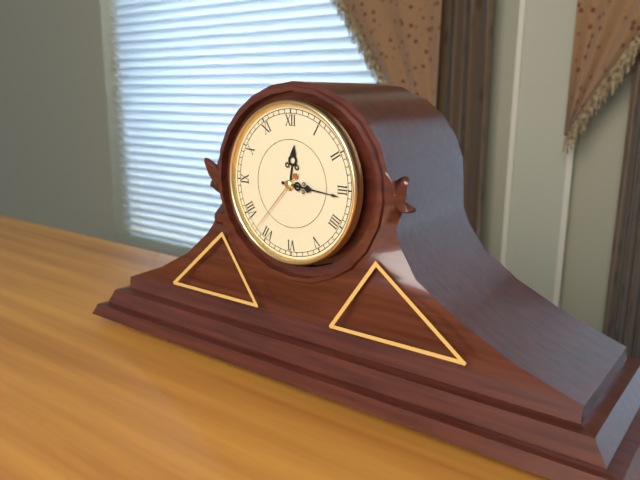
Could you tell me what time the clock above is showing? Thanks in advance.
12:16:37
